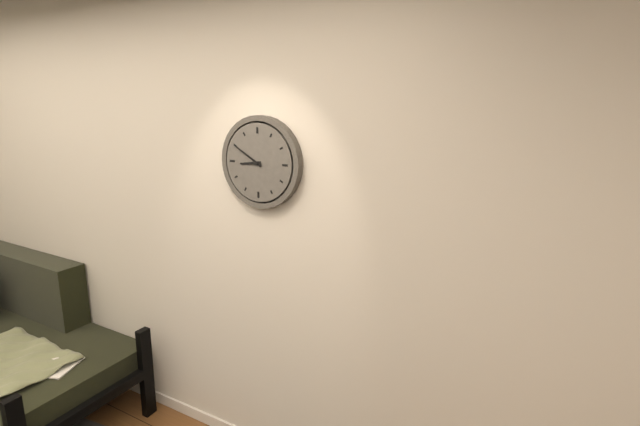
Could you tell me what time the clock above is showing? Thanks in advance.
8:50
